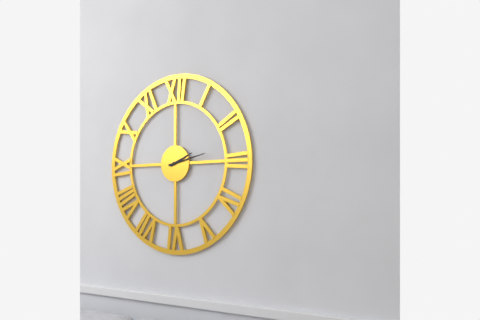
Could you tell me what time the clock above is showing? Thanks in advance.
2:13
